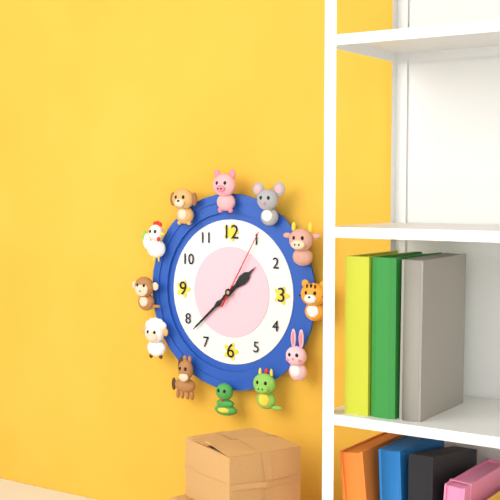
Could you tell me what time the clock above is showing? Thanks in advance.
1:38:05
